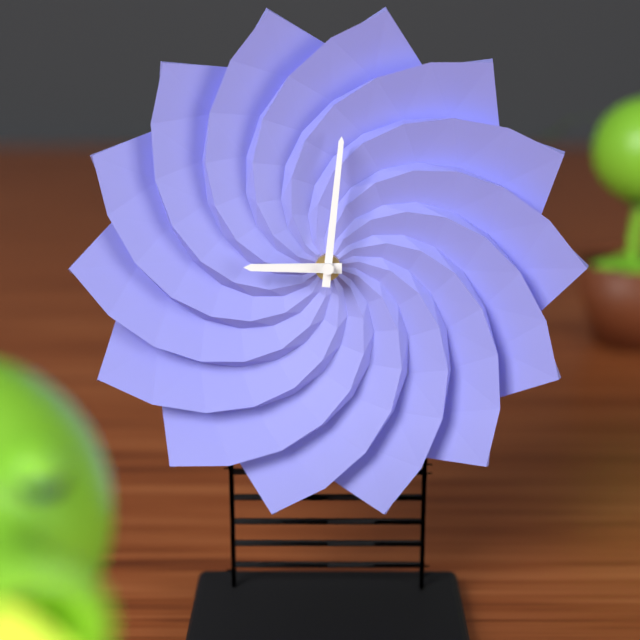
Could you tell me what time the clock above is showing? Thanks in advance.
9:01
